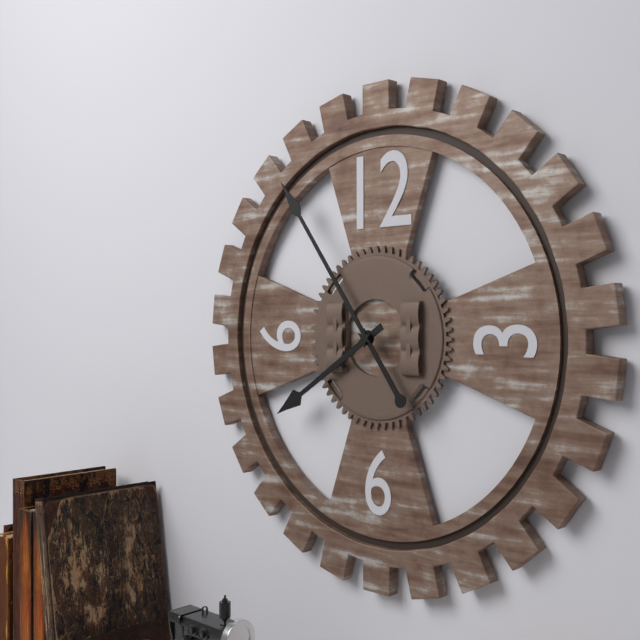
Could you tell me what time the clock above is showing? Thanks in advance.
7:54
